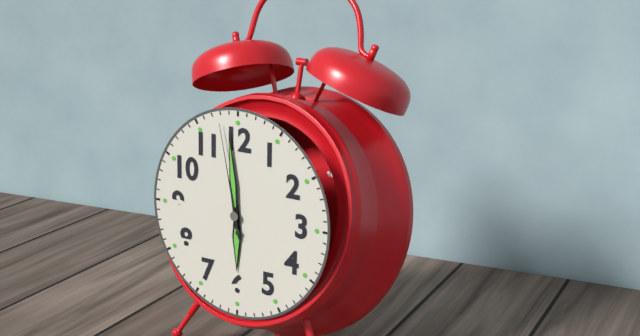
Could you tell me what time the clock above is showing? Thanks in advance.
5:59:58
